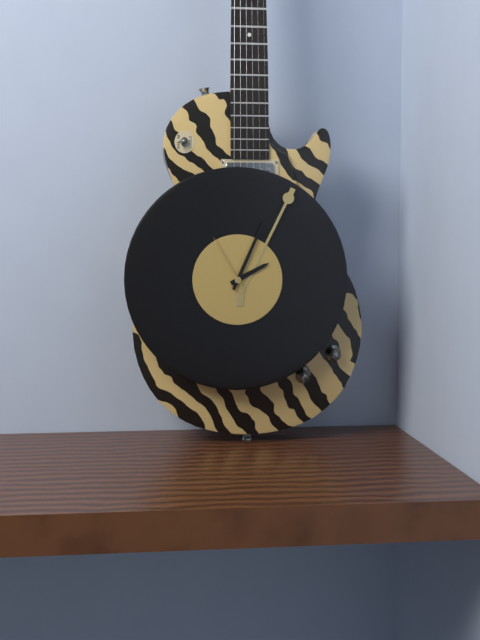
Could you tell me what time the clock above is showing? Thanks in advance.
2:04:55
